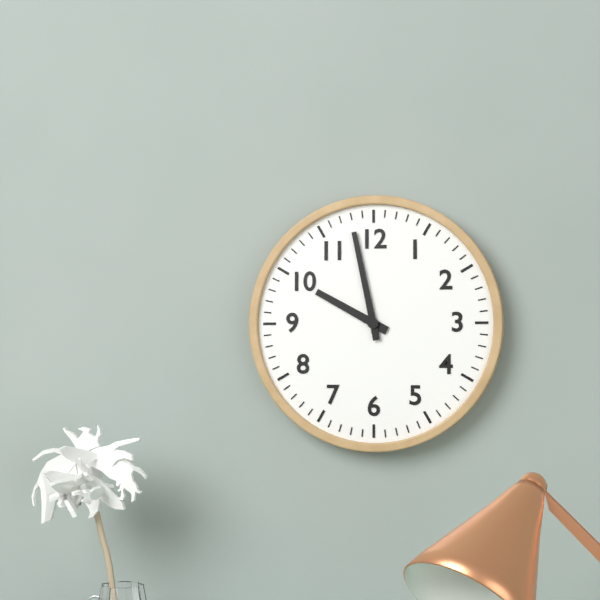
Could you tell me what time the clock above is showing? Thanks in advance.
9:58
